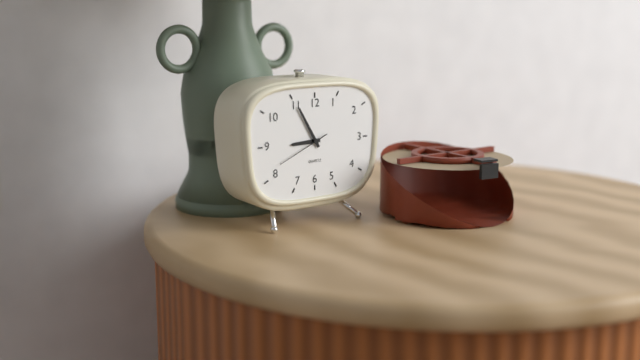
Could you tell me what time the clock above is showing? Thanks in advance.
8:55:41
